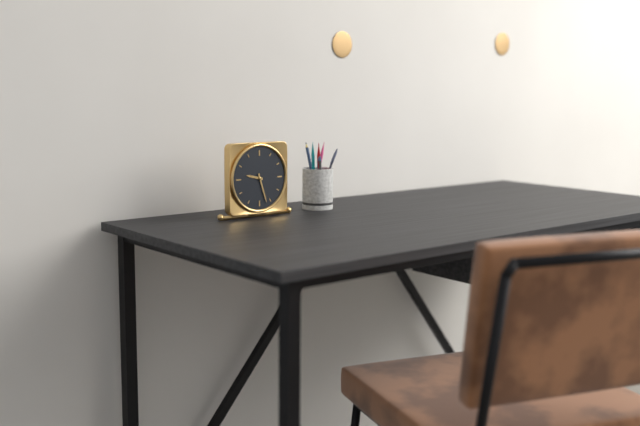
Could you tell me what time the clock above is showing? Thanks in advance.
9:27
